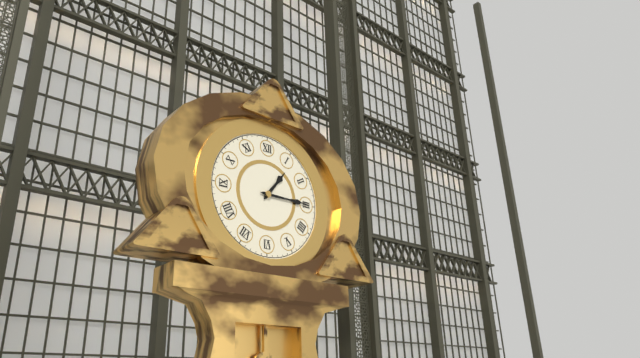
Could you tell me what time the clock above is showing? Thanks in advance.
1:15
